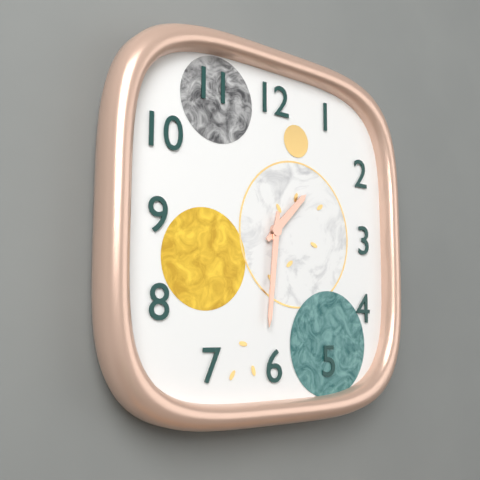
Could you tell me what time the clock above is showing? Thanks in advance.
1:31
